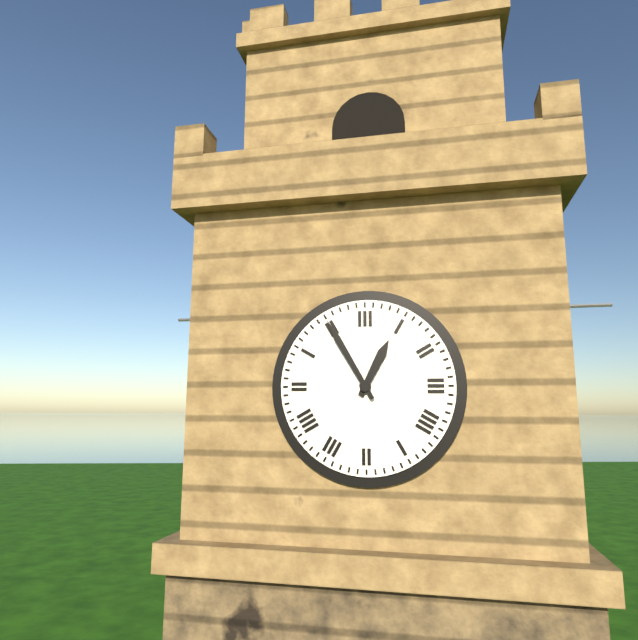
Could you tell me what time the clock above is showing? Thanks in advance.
12:55
